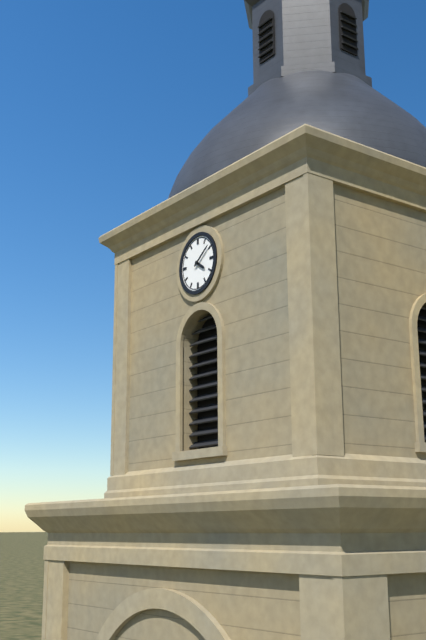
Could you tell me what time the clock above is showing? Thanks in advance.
4:09
